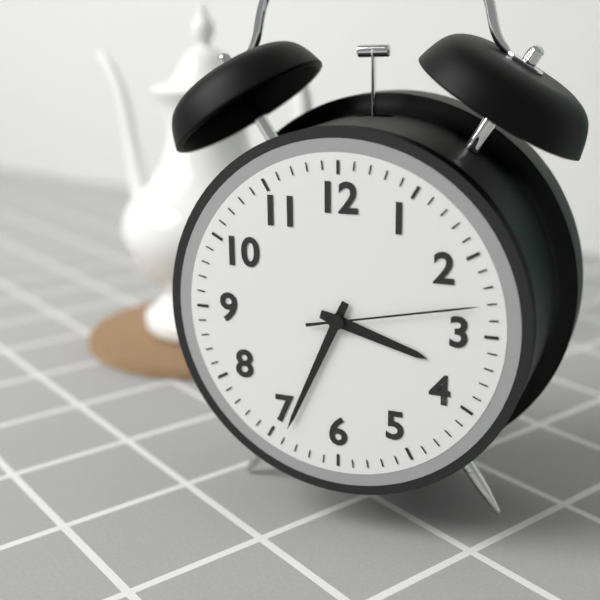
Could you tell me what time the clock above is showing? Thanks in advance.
3:34:13
